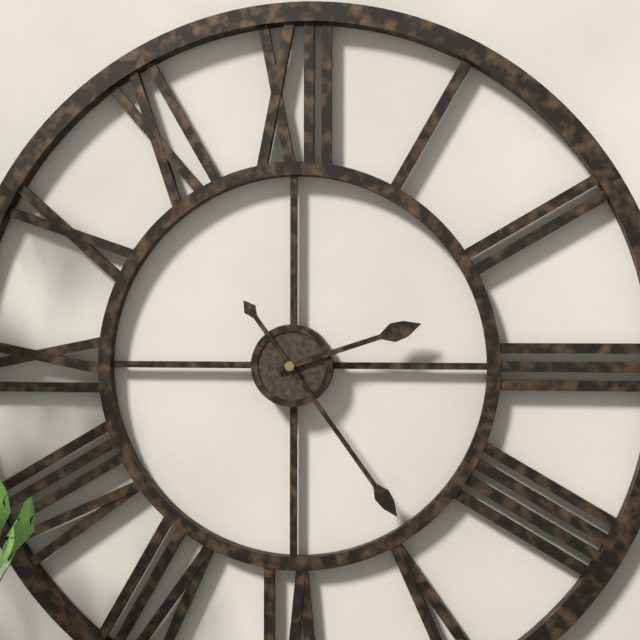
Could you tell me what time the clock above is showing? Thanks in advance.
2:24
